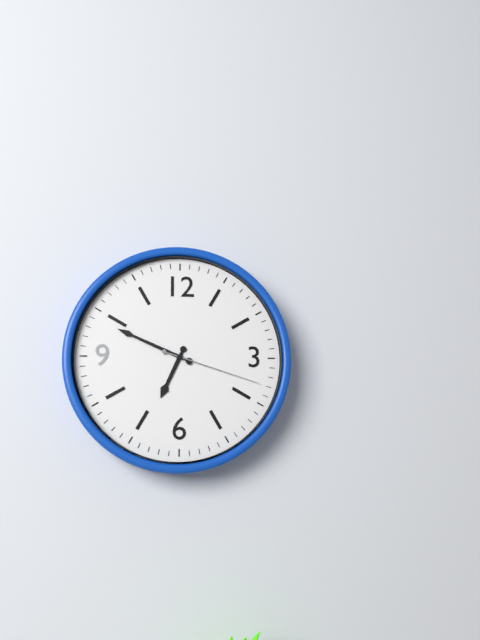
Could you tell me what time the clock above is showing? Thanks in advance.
6:49:18
